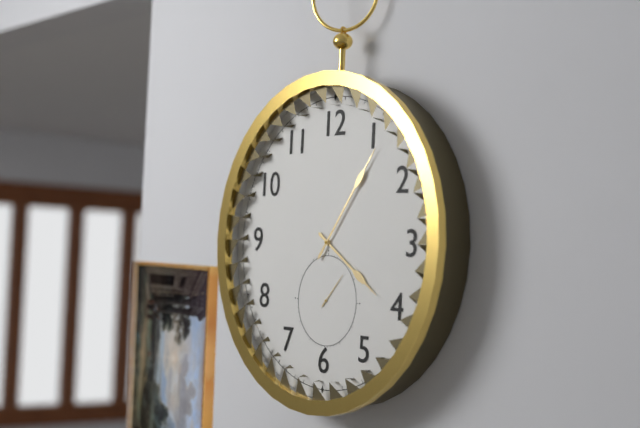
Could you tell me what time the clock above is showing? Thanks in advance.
4:06
